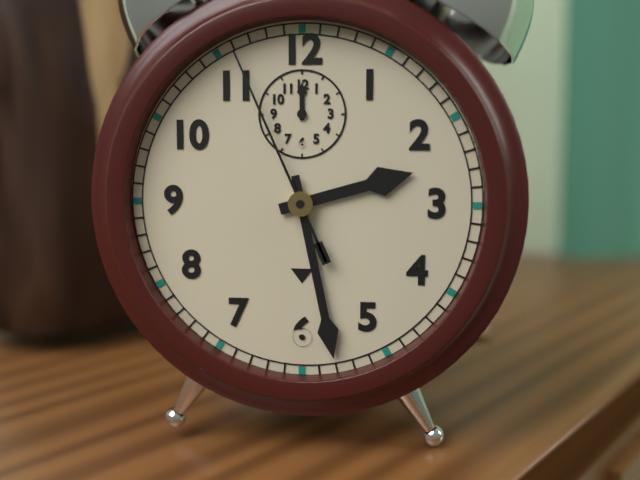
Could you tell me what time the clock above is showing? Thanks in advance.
2:28:56
